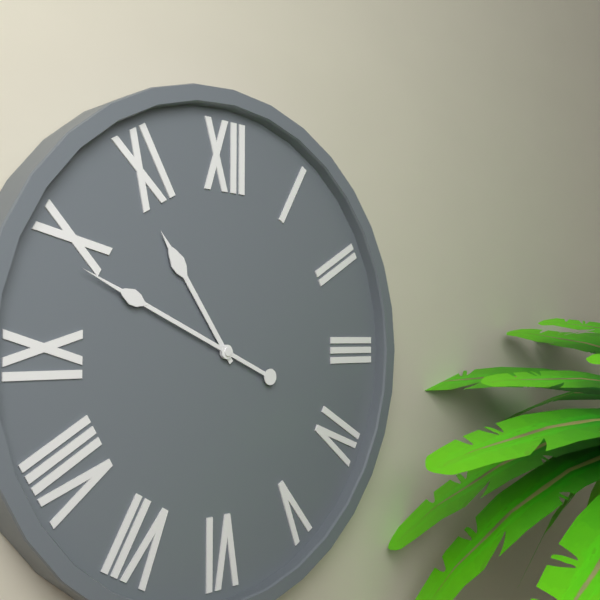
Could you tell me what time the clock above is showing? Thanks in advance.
10:49
